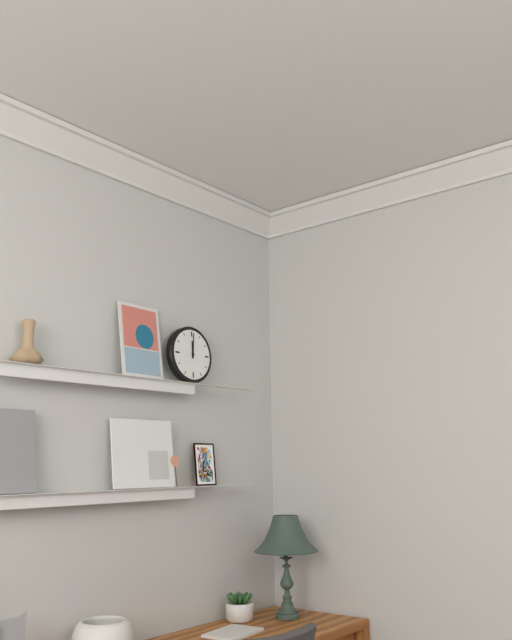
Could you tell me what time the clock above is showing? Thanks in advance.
12:01
